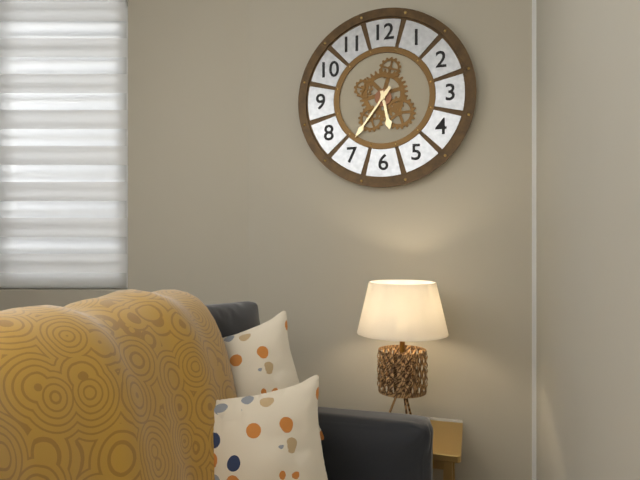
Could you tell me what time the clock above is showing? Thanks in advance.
5:36
